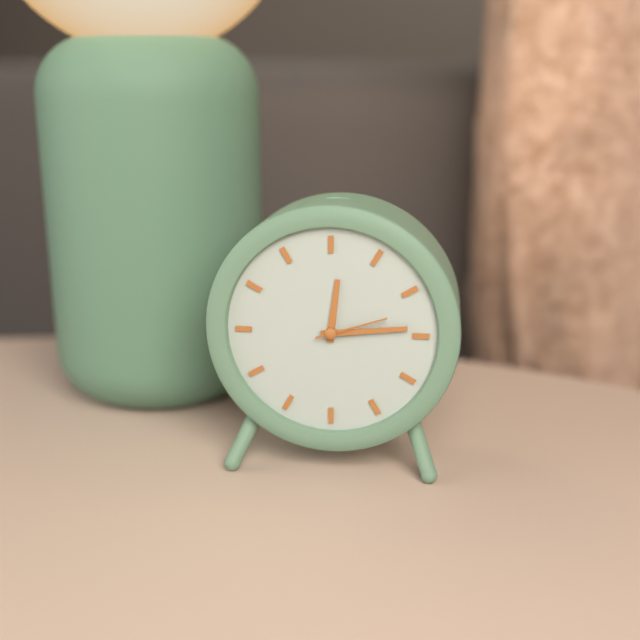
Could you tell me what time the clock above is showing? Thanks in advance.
12:14:12
